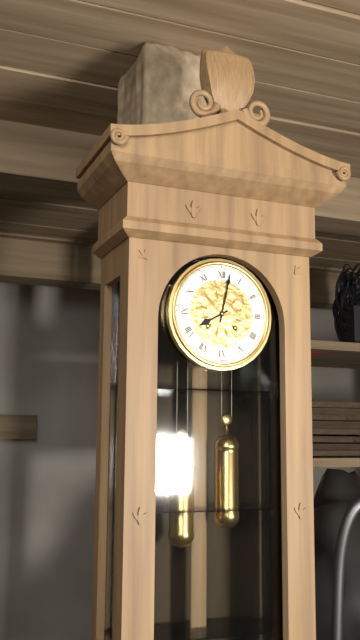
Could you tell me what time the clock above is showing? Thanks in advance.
8:02
